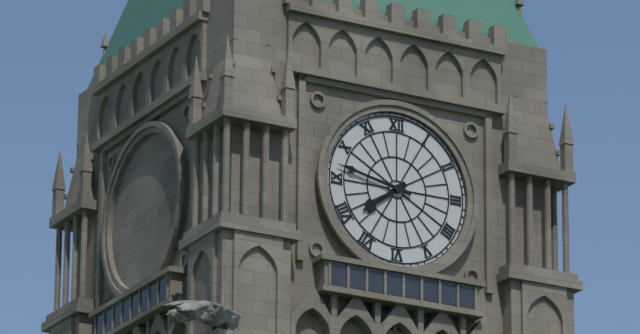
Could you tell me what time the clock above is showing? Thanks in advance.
7:47
